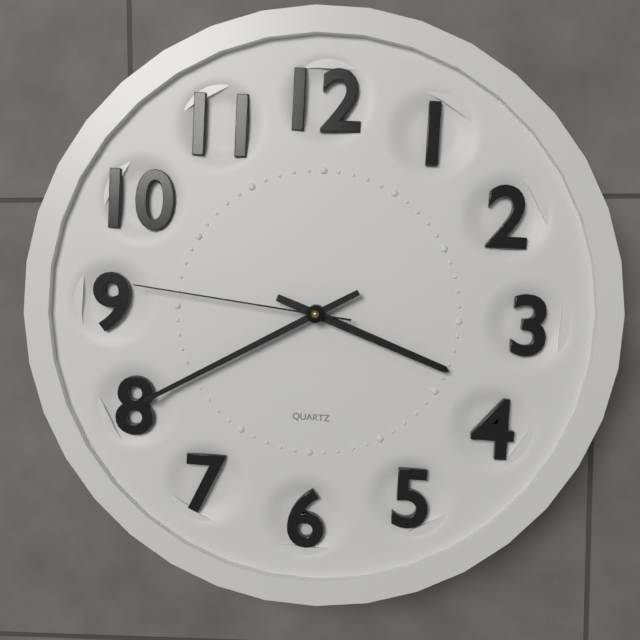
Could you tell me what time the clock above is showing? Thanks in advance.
3:40:46
